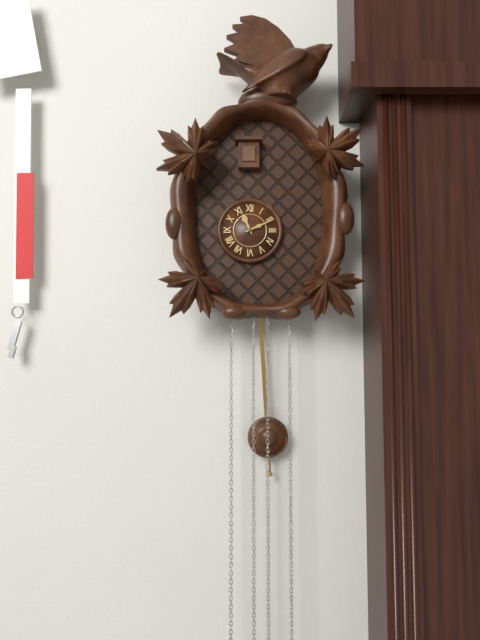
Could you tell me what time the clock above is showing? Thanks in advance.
11:11
